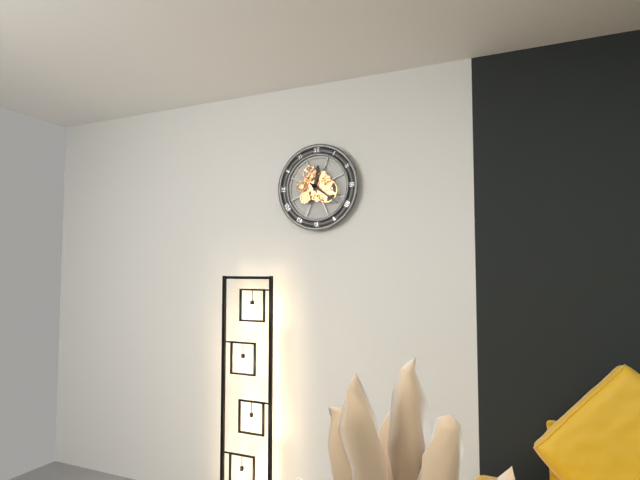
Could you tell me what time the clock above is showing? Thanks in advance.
12:21
